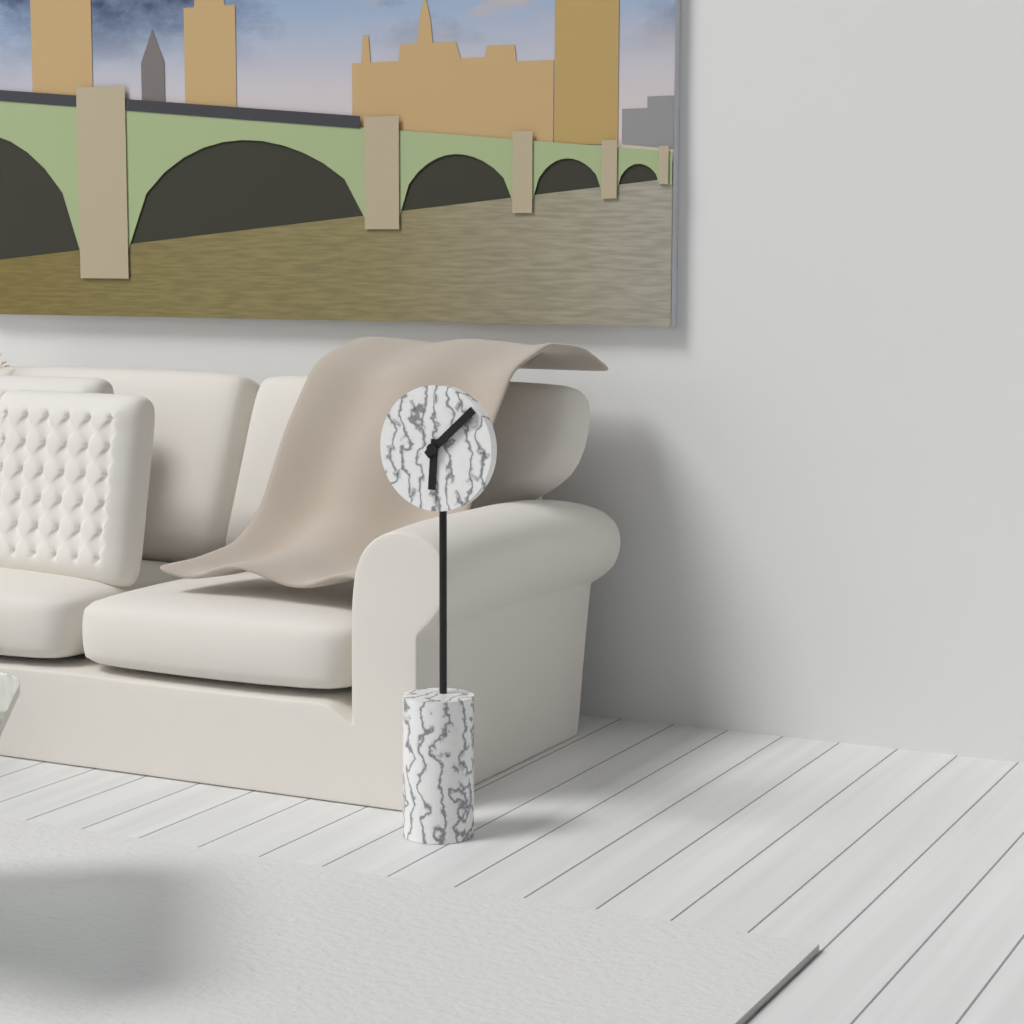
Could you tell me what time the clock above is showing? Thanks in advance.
6:08
